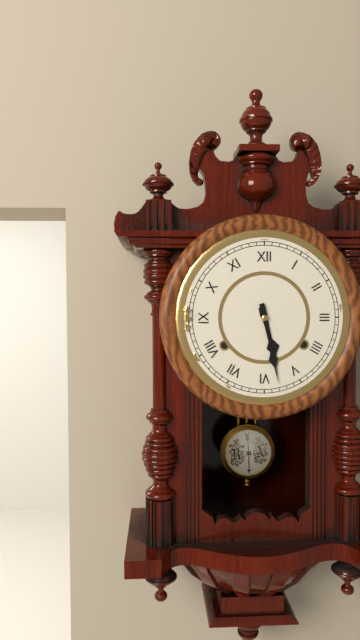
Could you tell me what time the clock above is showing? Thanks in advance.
5:28
